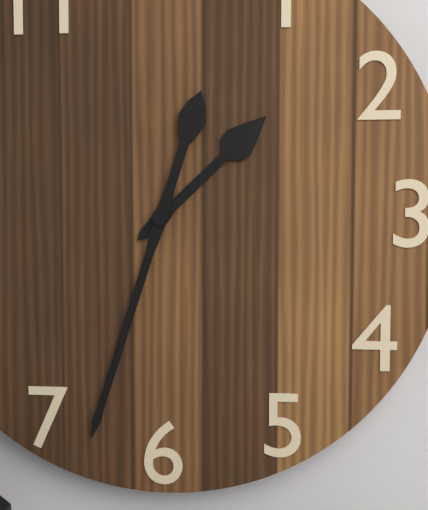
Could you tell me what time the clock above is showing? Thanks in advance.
1:33
